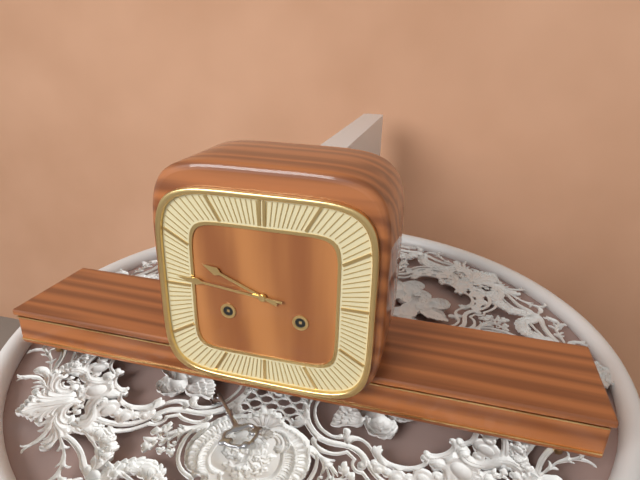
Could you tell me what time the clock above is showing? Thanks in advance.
9:46
